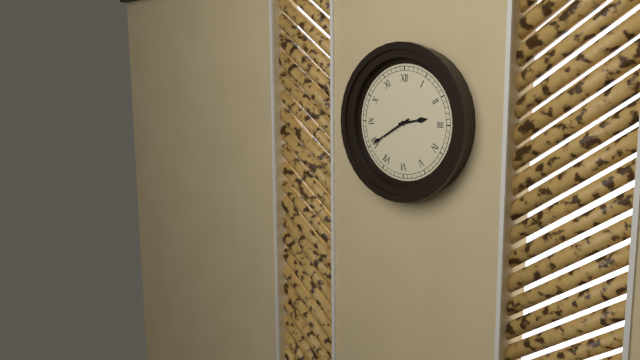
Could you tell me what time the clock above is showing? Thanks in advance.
2:40
